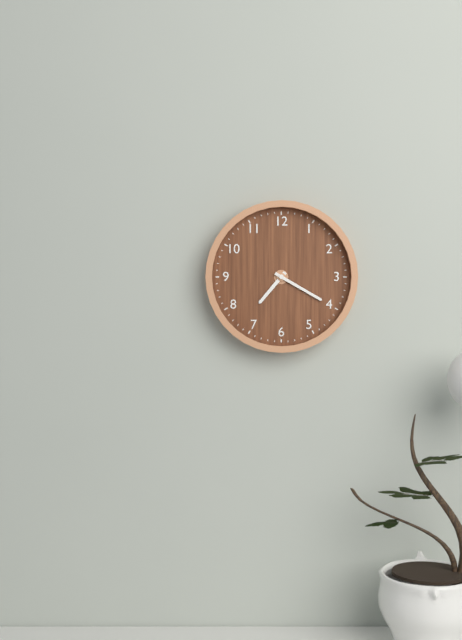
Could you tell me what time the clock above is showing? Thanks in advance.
7:20
